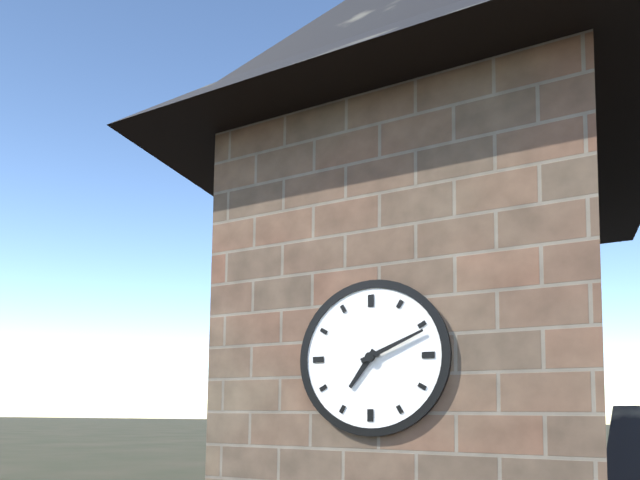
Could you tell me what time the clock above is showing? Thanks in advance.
7:11
